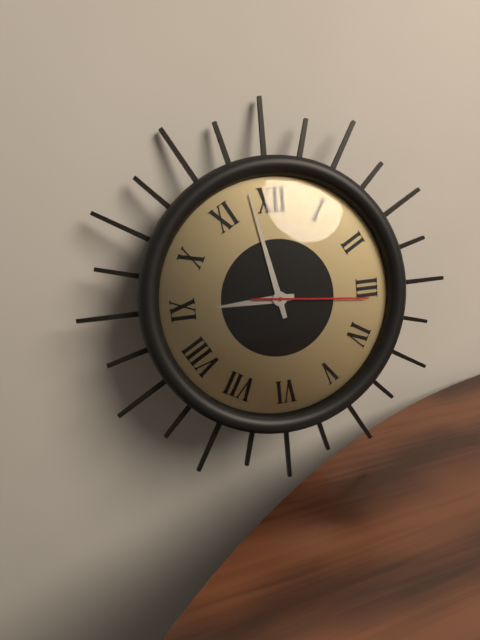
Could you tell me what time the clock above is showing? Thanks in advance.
8:58:16
